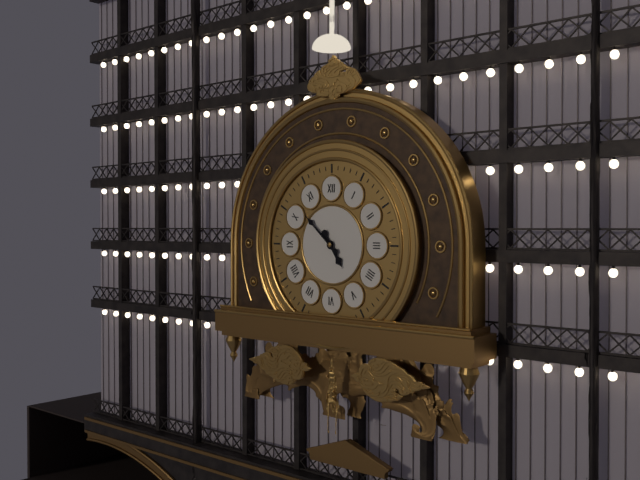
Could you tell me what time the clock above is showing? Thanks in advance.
4:52
